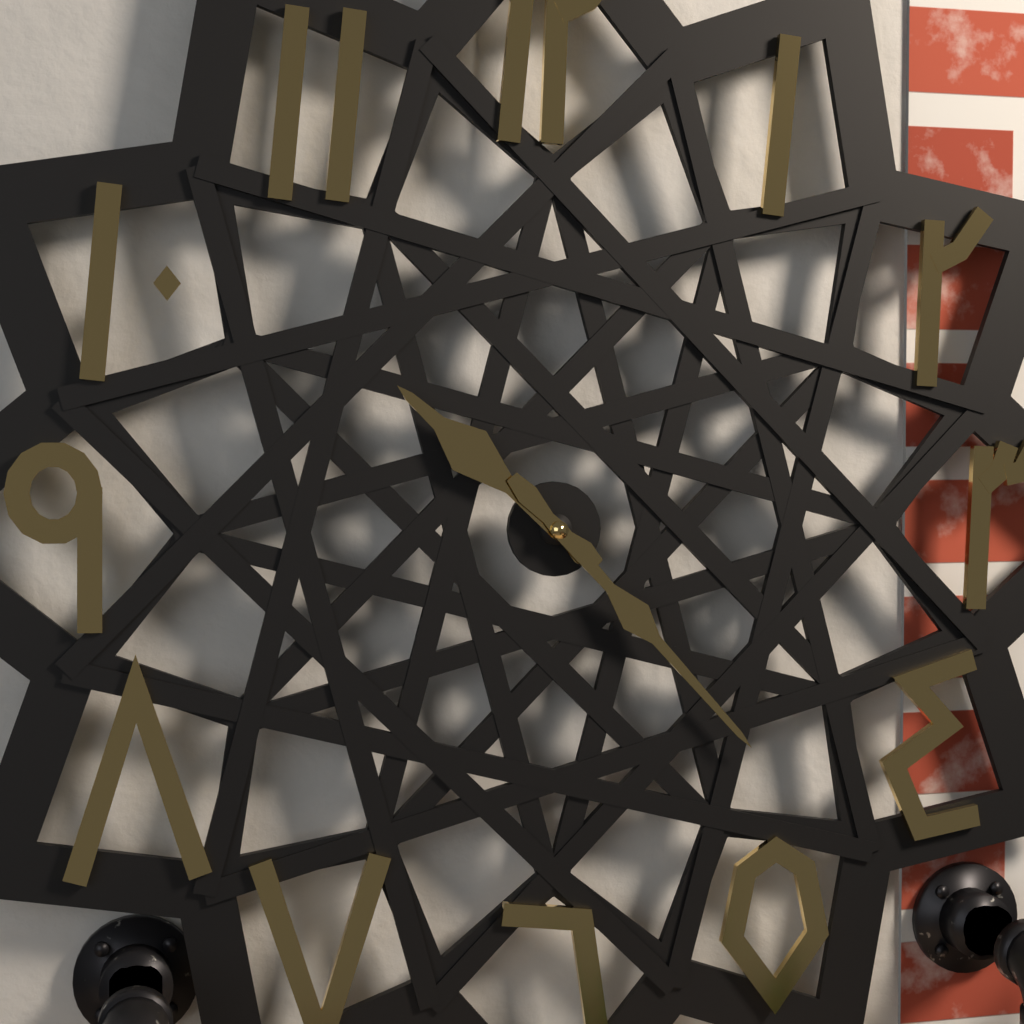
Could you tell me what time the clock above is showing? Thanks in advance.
10:23
